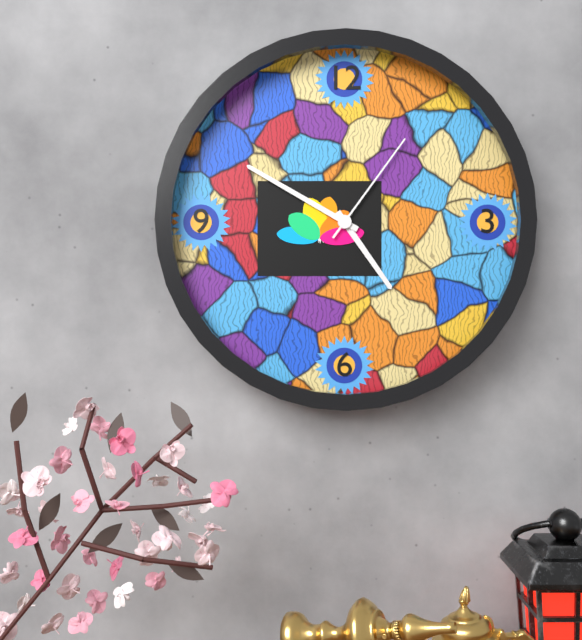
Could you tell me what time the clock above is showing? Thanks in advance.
4:50:06
